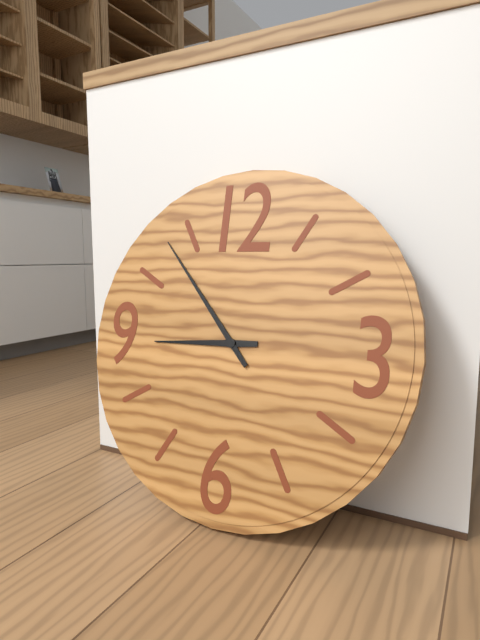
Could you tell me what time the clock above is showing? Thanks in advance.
8:53
